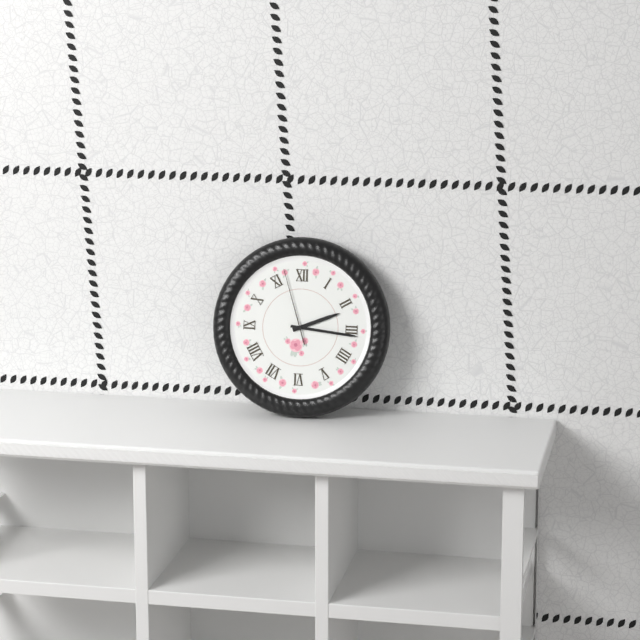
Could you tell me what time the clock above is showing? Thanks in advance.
2:16:57
